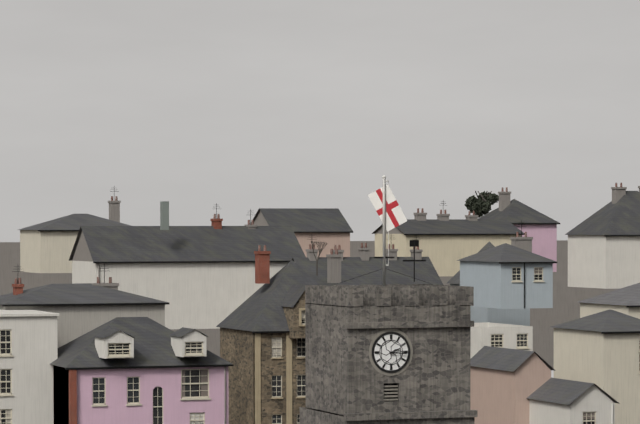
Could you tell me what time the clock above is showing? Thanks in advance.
2:16
